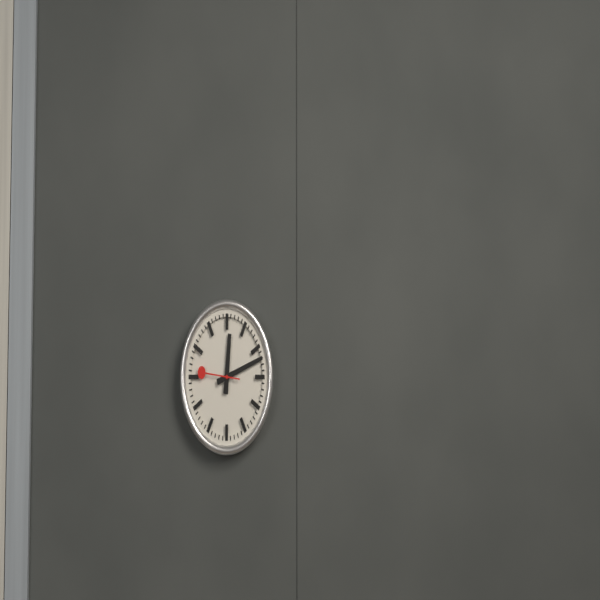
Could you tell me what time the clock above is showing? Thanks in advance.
12:12
